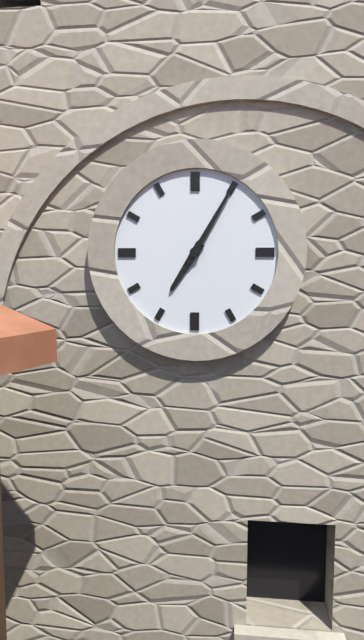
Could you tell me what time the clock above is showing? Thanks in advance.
7:05
